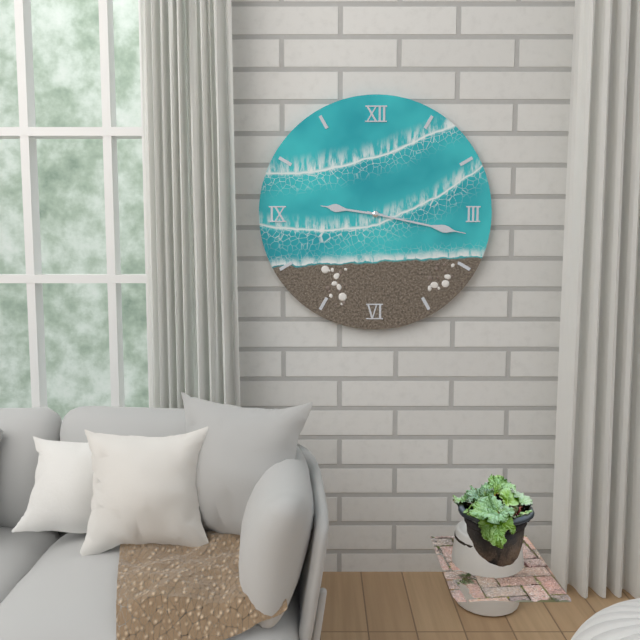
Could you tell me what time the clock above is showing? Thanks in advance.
9:17
